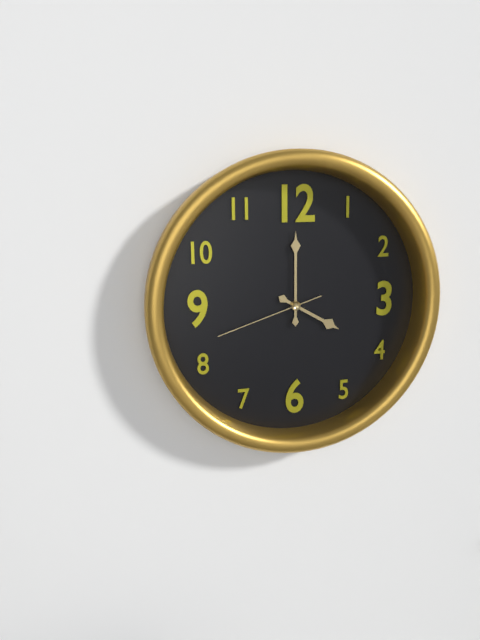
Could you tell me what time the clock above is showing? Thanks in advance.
4:00:42
